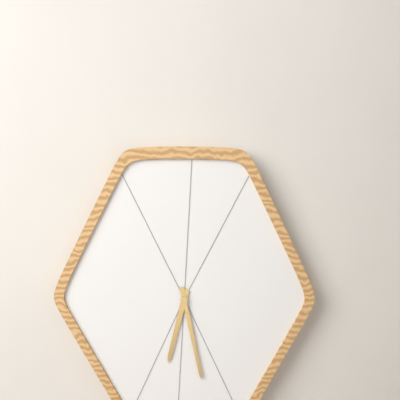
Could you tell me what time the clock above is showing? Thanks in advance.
6:28
